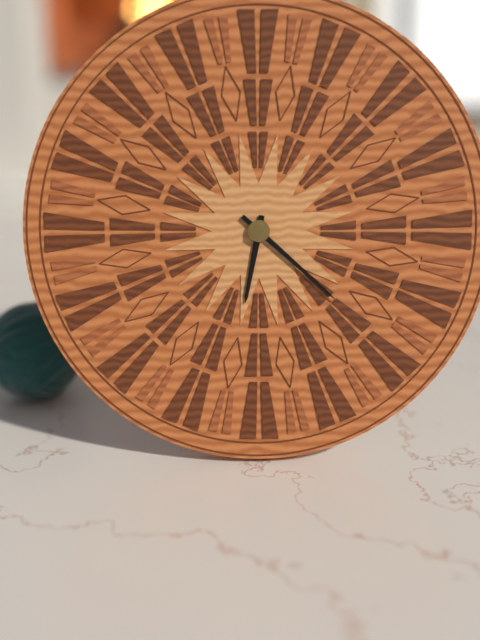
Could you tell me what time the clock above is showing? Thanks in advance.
6:22
